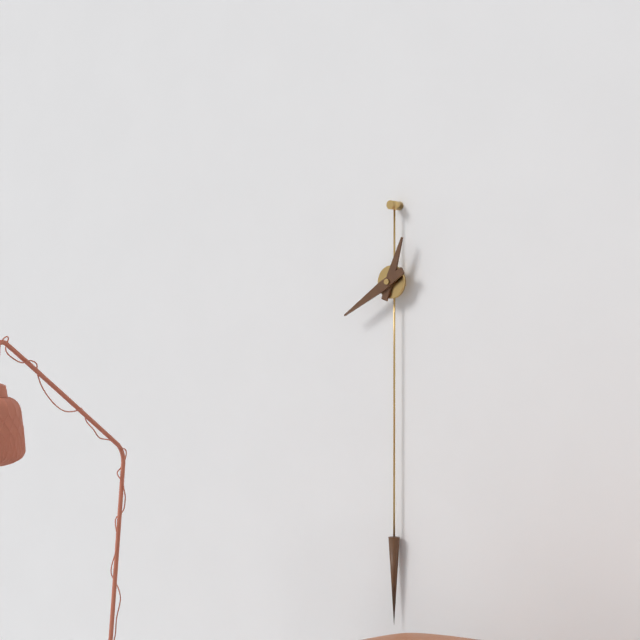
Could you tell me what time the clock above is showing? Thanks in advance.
12:40
